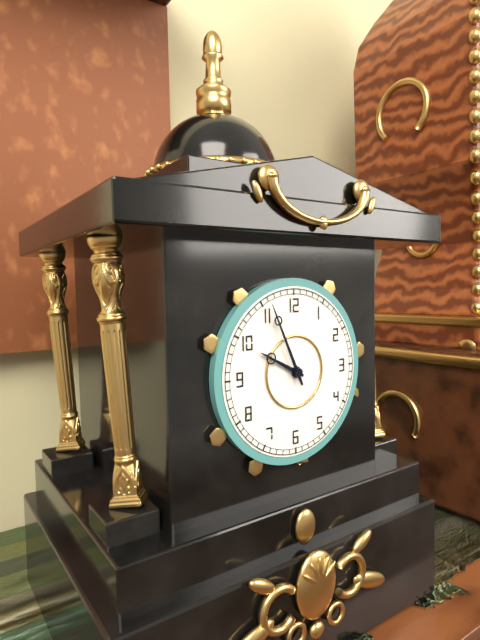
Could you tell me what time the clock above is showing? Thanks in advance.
9:56
